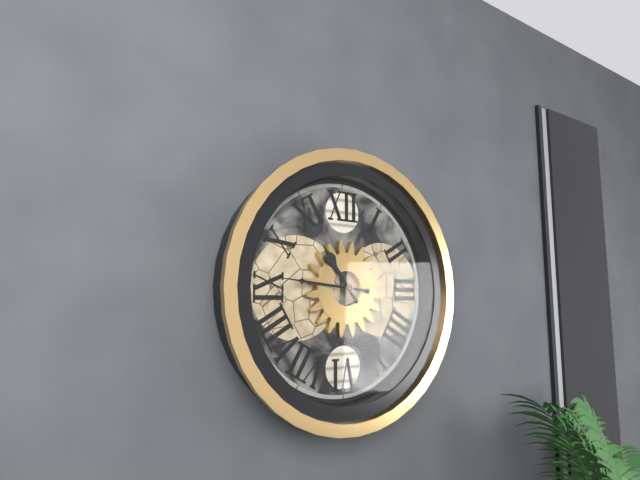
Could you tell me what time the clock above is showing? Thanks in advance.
10:46
